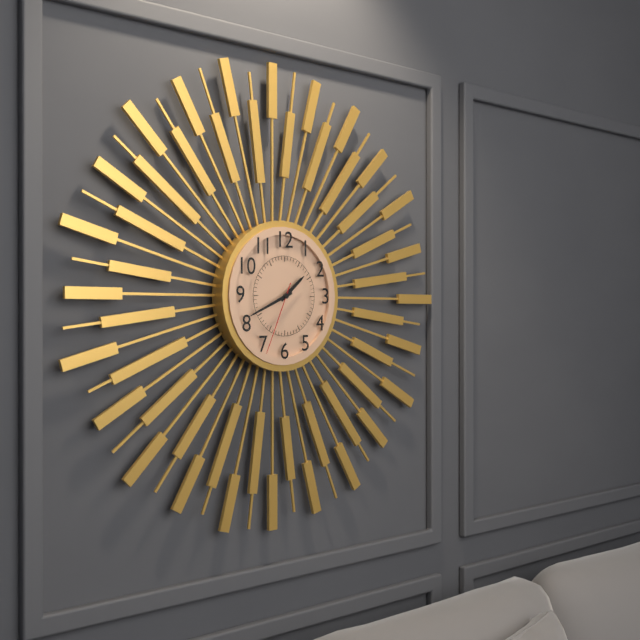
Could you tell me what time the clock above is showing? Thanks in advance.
1:41:34
